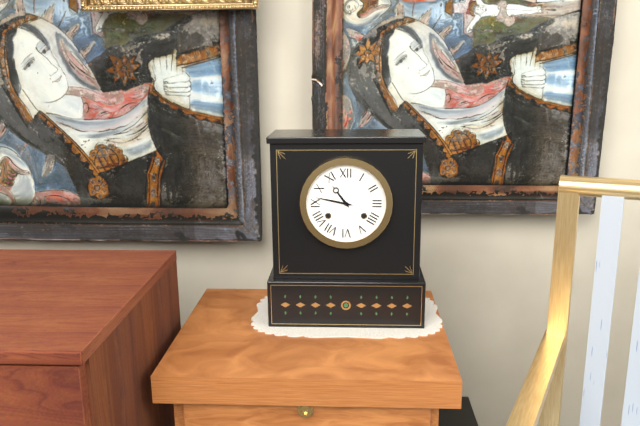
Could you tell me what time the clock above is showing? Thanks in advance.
10:47
